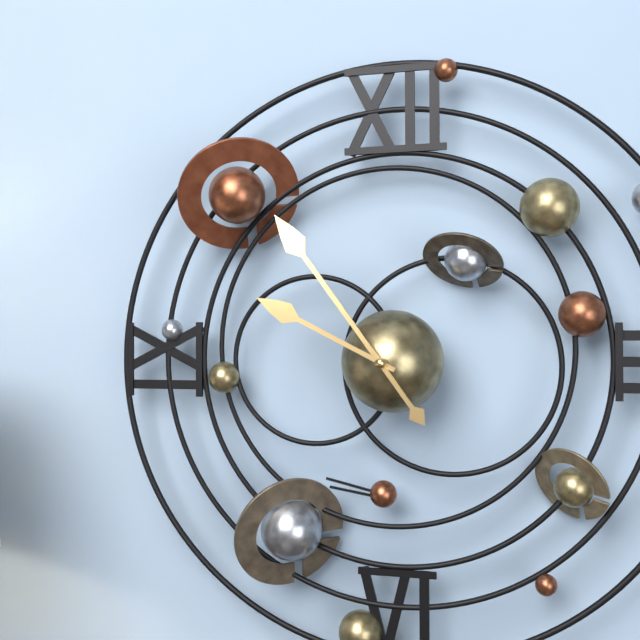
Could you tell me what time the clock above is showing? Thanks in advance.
9:54
